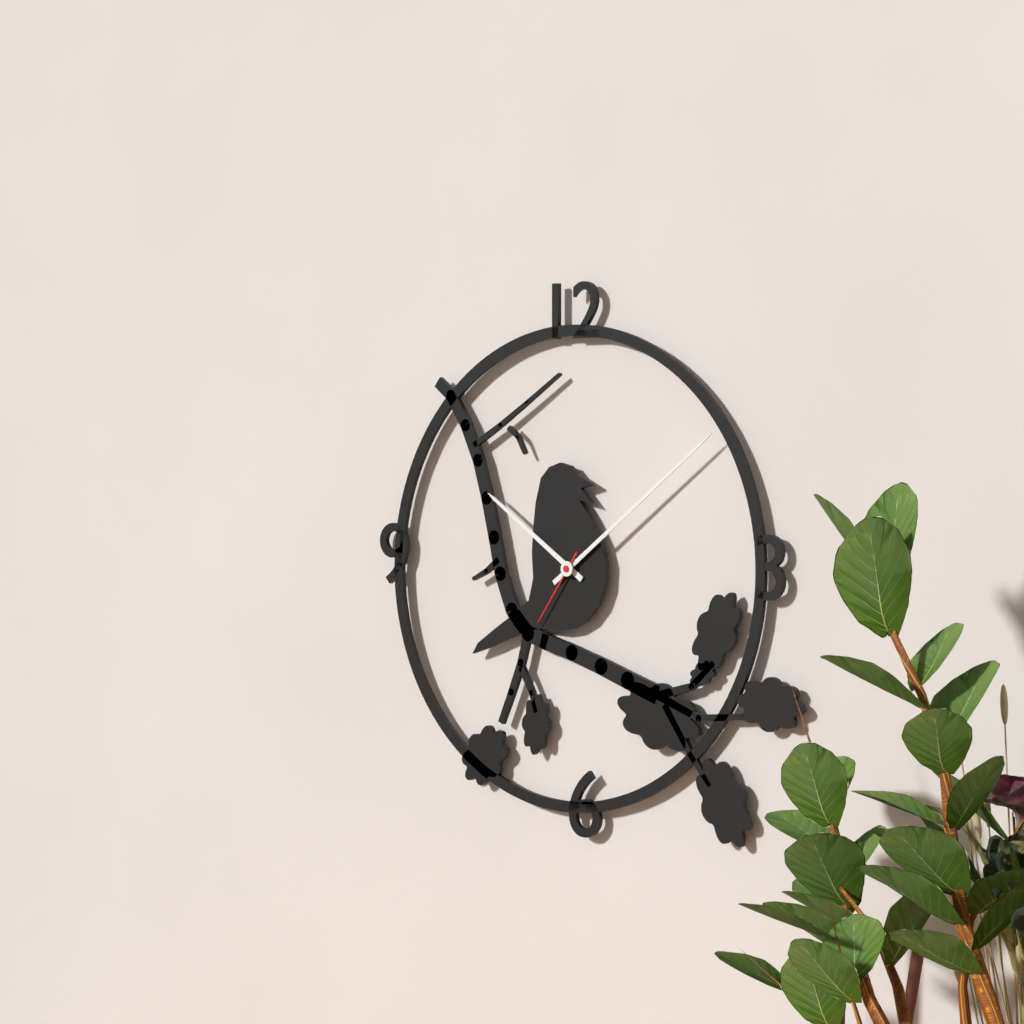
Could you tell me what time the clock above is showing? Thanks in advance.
10:09:36
